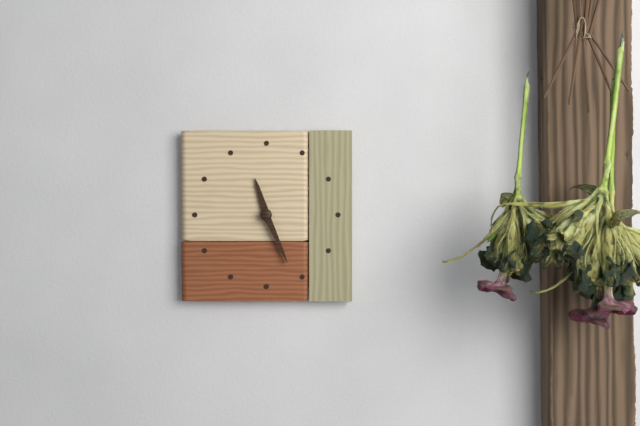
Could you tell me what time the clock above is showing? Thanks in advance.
11:26
